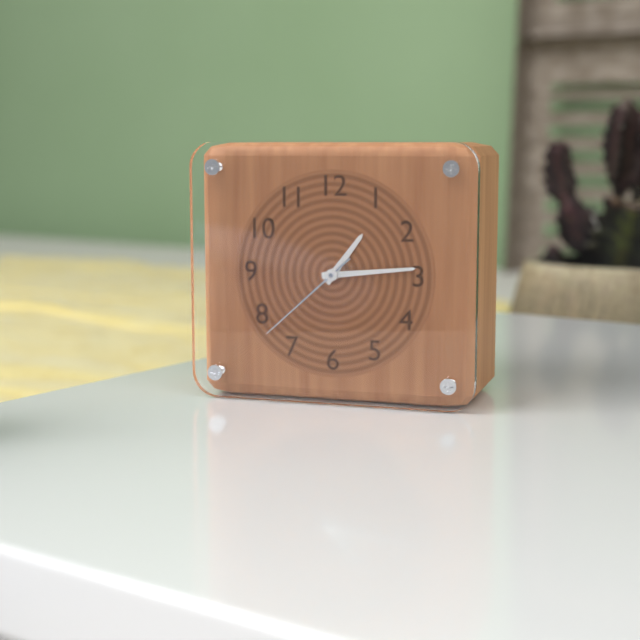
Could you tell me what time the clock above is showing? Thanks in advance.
1:14:38
